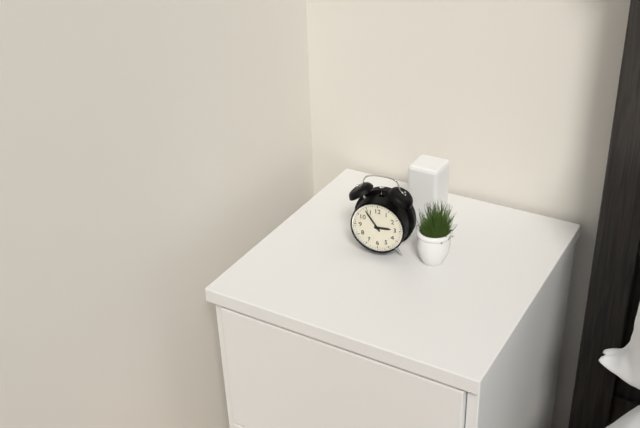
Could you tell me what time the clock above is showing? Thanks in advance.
2:54
